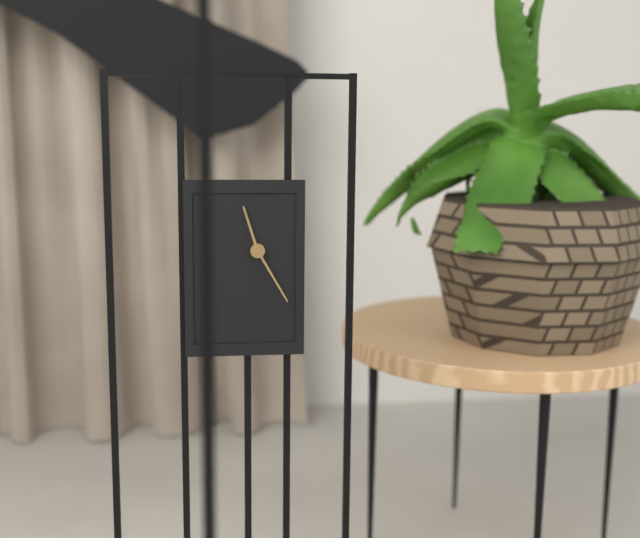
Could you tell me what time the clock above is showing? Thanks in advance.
11:25
